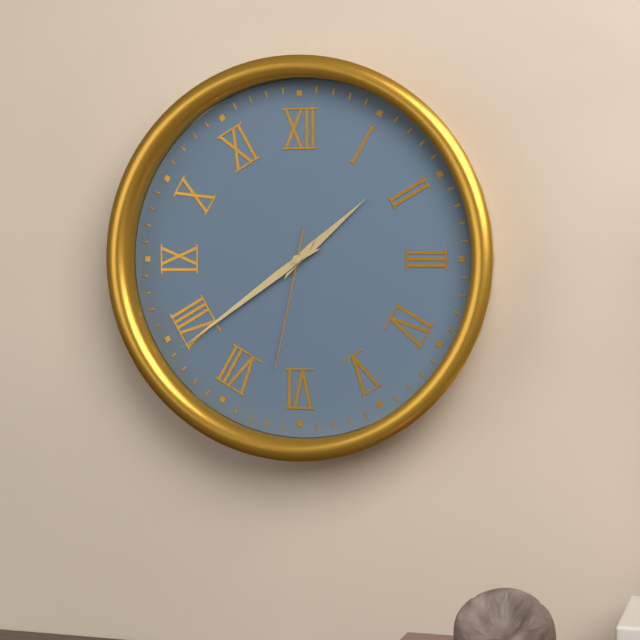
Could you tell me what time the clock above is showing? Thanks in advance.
1:39:32
